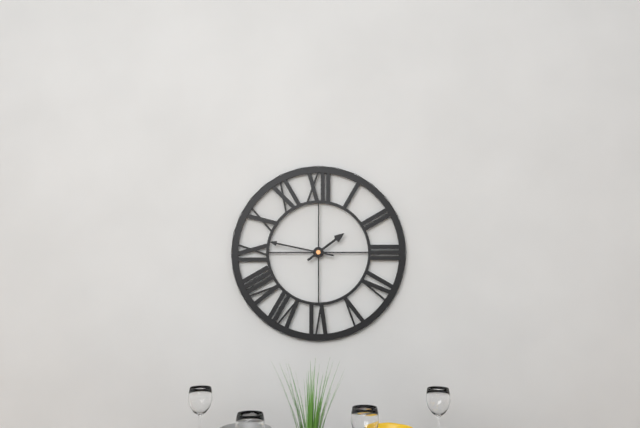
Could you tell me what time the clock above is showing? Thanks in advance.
1:47
